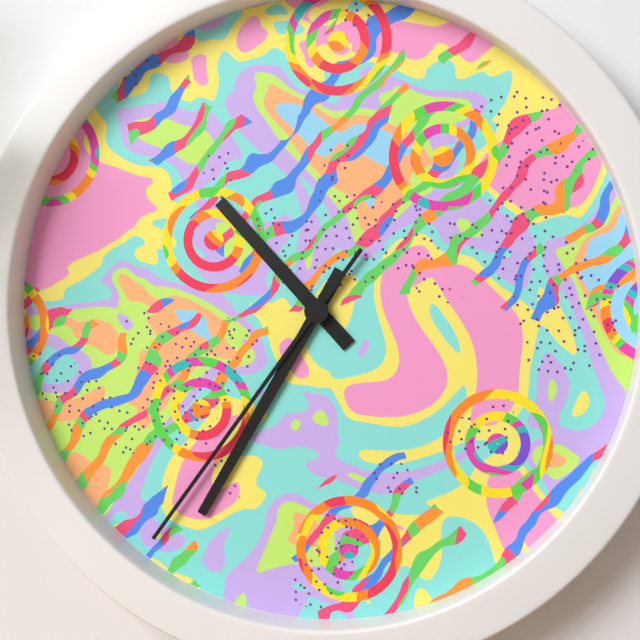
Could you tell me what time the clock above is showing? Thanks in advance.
10:35:36
